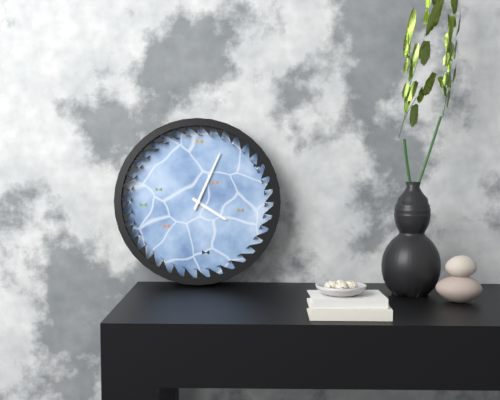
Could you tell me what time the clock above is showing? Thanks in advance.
4:04
